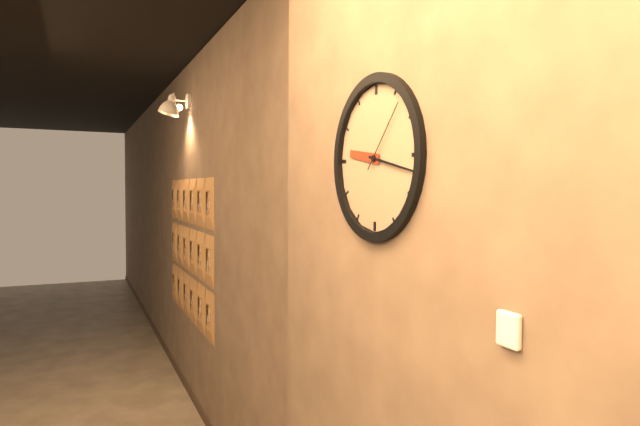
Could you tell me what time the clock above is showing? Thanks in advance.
9:17:07
